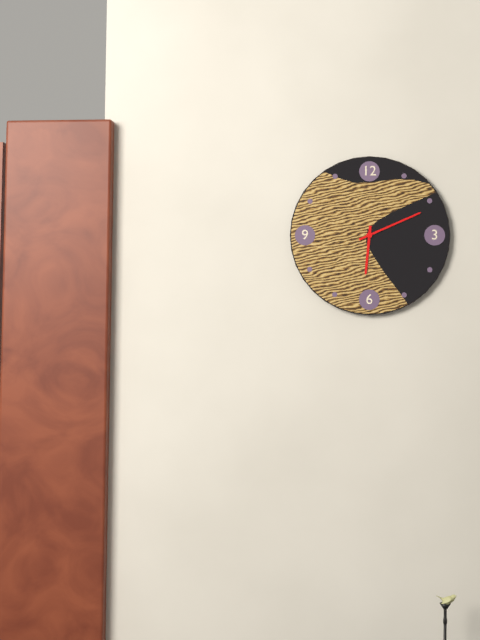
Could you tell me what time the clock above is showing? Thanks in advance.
6:11
